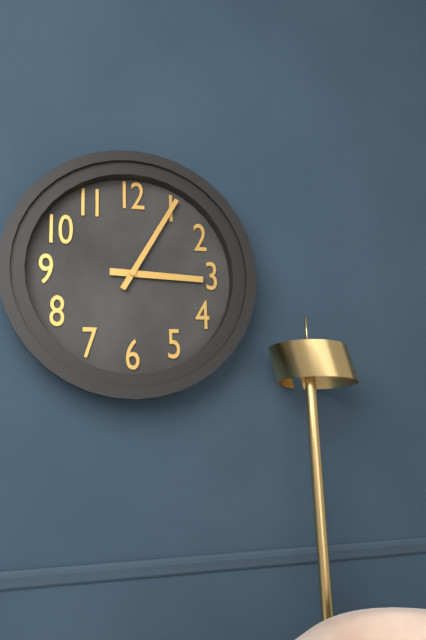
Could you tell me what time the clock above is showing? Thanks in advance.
3:05
